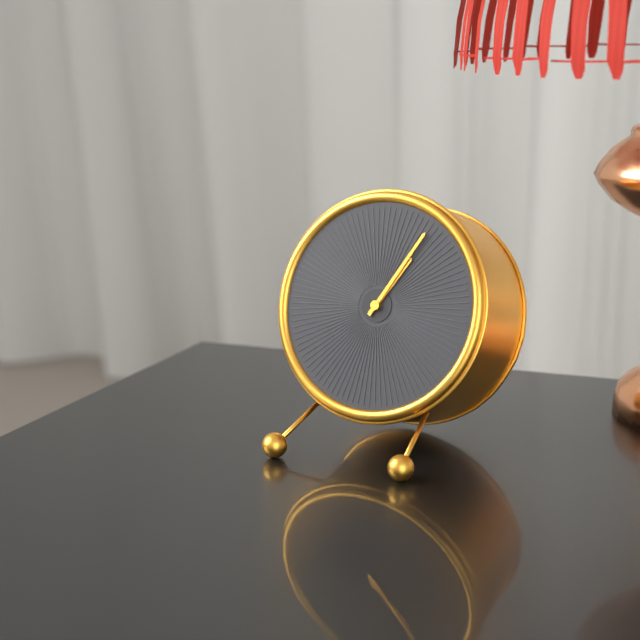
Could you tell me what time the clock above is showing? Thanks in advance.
1:05
